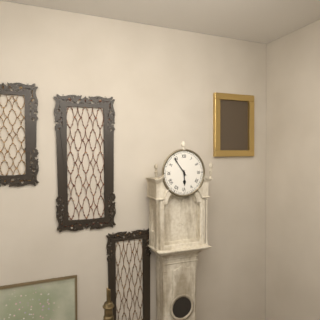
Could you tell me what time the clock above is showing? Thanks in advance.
5:54
